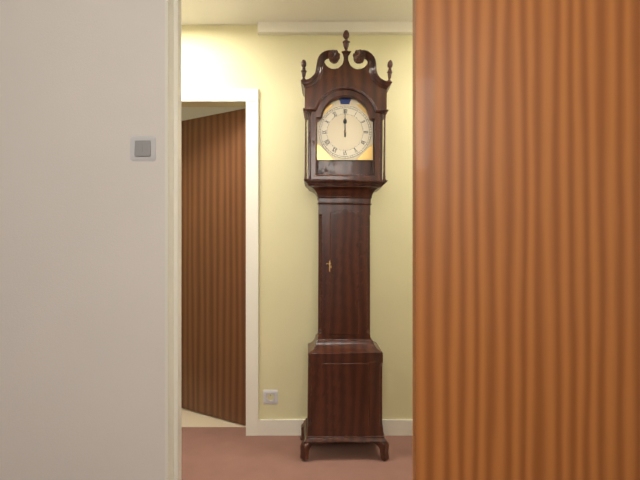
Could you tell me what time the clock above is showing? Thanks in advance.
12:00
